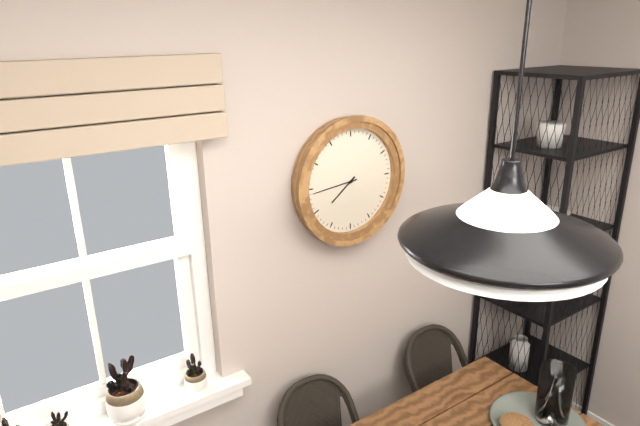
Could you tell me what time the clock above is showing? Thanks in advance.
7:44
